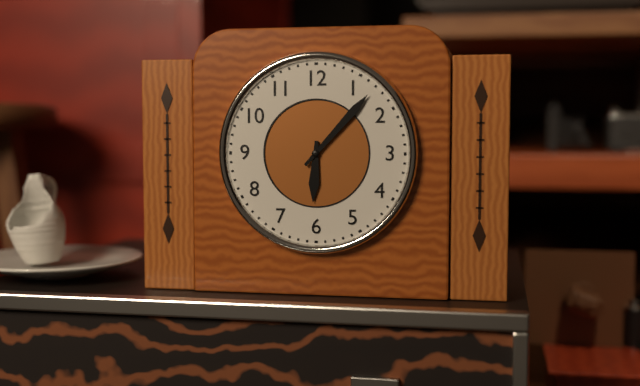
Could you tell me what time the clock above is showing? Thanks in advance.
6:07
